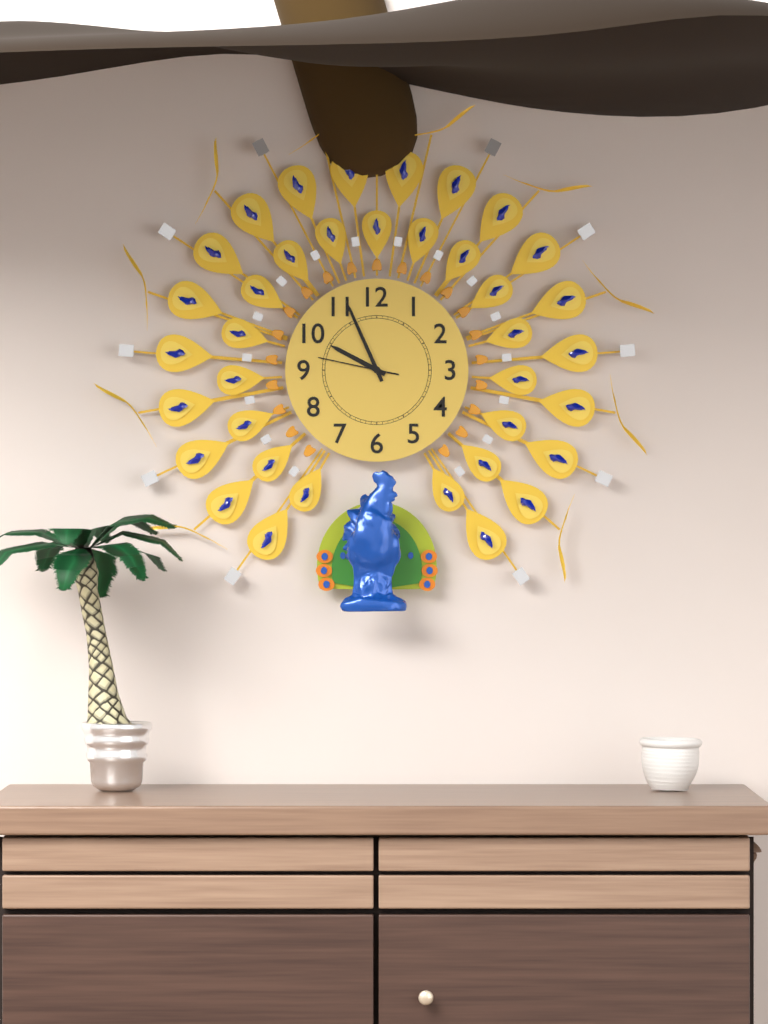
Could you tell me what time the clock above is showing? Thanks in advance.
9:56:47
